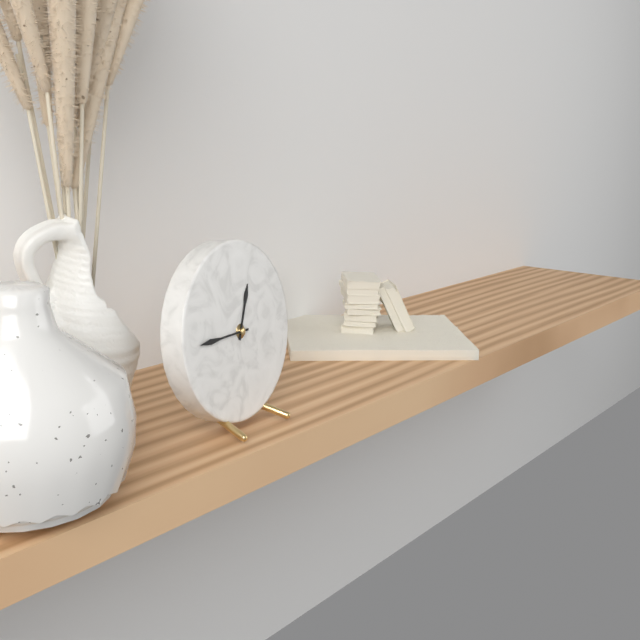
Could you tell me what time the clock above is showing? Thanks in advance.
12:45
